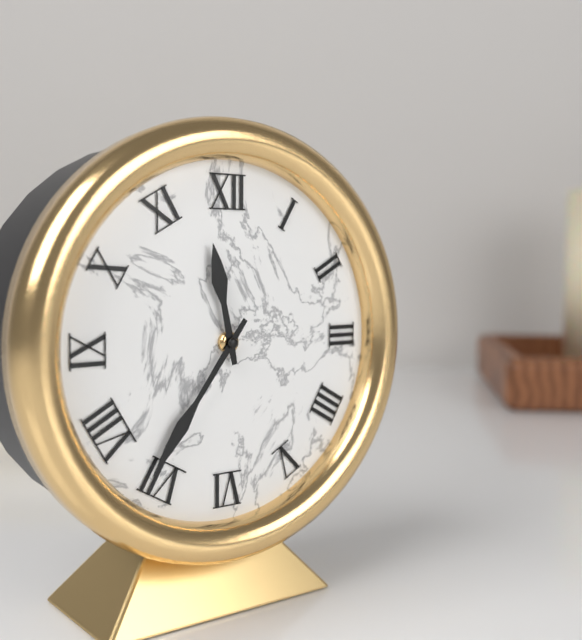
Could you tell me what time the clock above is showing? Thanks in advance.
11:36
